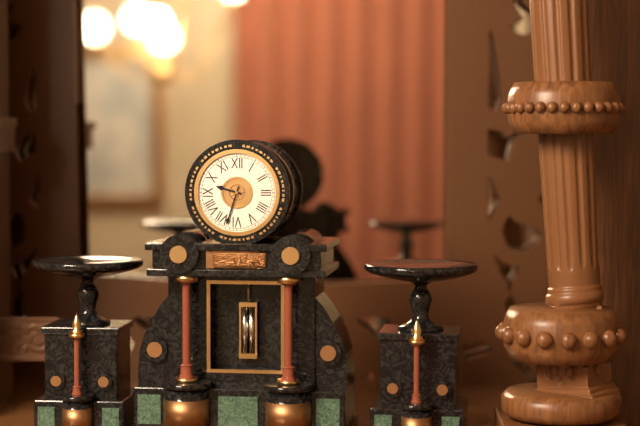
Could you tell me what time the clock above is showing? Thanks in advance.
9:33
